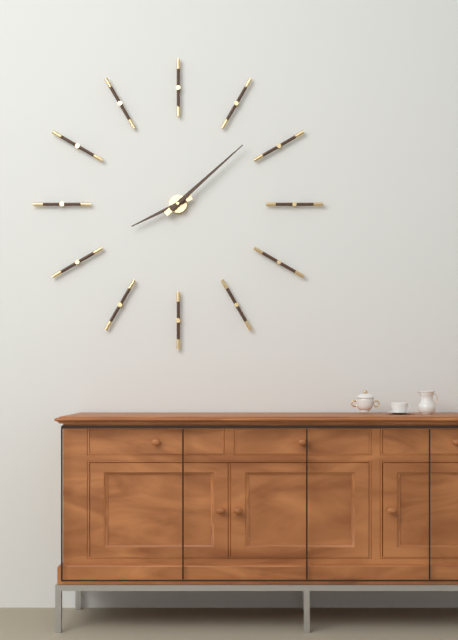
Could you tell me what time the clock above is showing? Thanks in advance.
8:08
